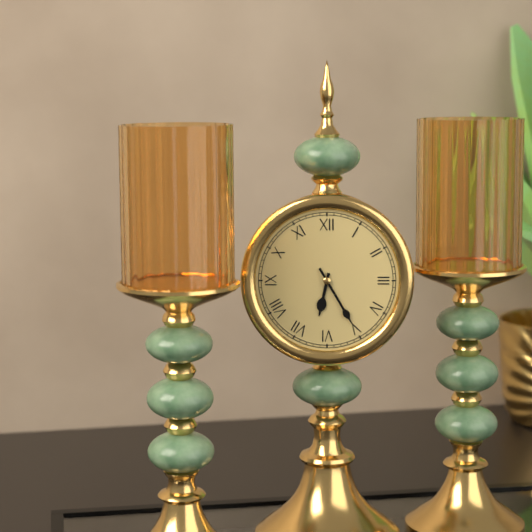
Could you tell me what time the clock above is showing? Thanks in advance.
6:25
